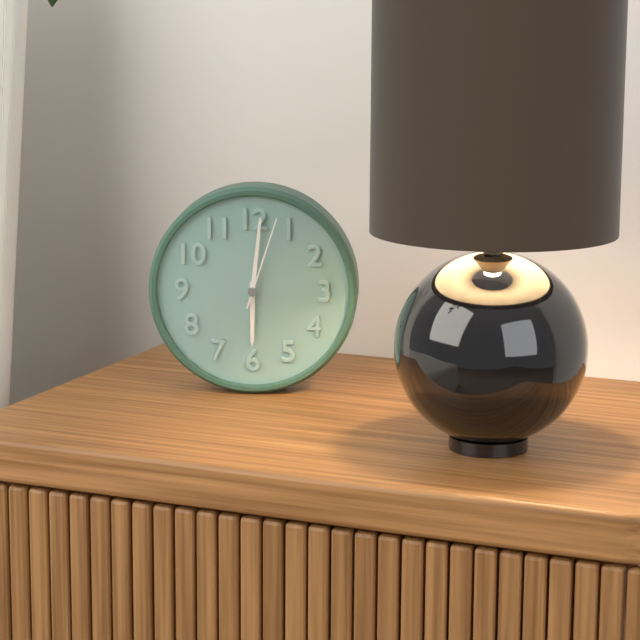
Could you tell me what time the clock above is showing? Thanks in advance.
6:01:03
